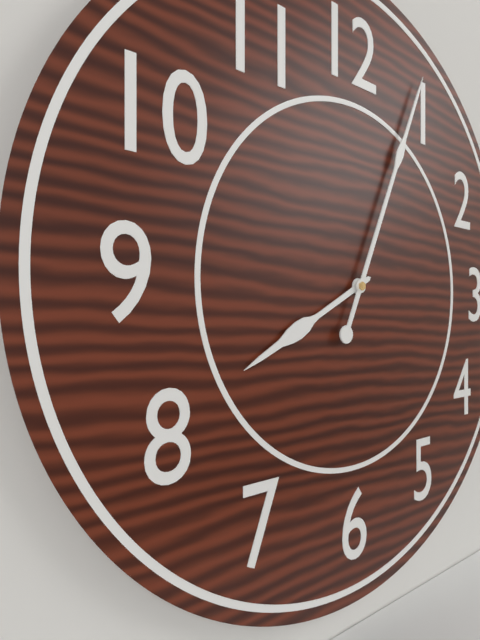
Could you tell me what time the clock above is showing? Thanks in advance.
8:04
